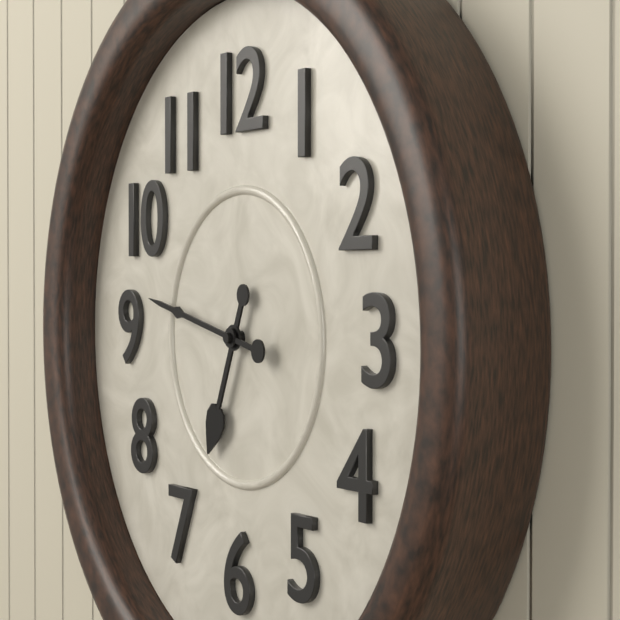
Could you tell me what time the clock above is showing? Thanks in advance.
6:47
